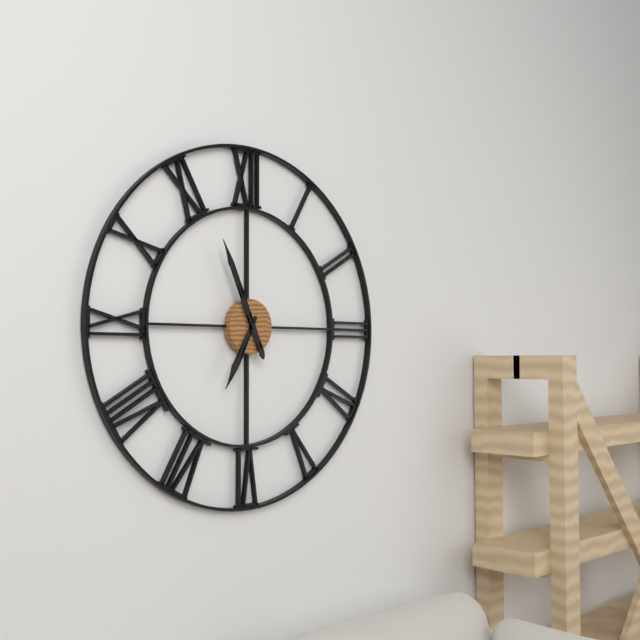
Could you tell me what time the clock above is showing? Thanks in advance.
6:56
